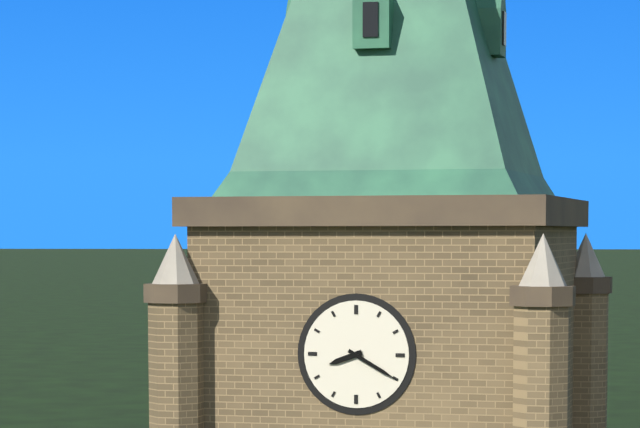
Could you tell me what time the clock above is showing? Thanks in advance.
8:20
